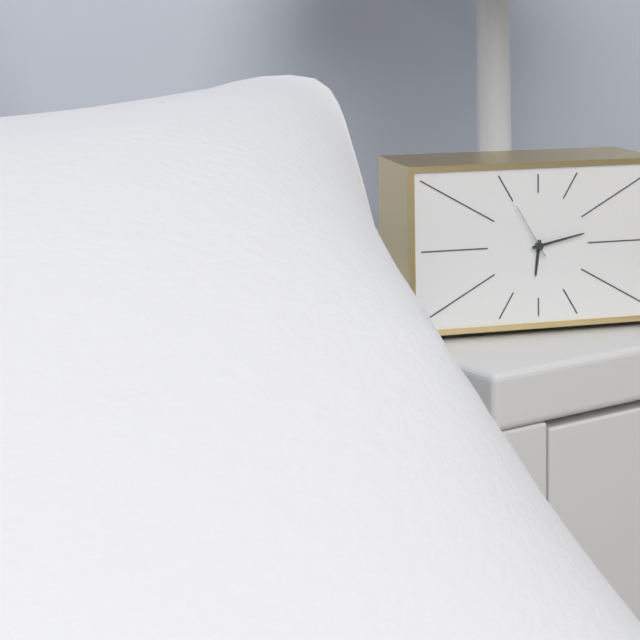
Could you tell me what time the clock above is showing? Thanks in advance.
6:13:55
